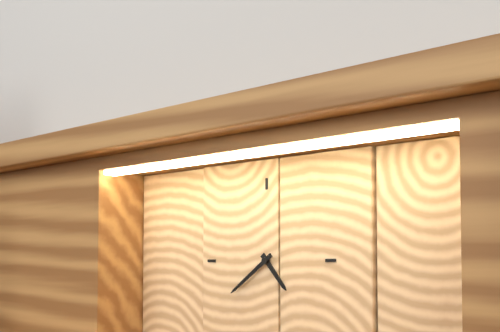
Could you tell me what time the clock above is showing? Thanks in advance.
4:39
